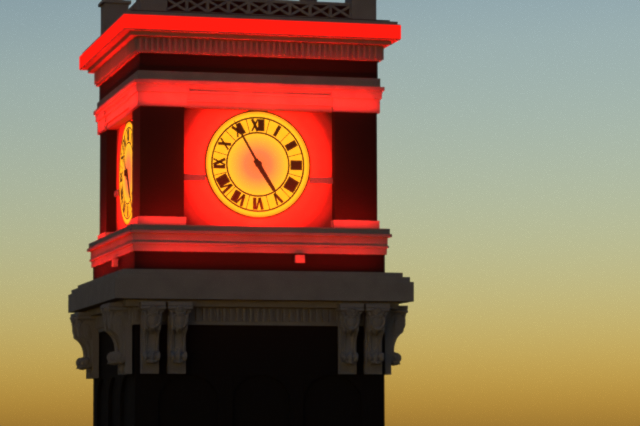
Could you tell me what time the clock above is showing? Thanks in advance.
4:55
